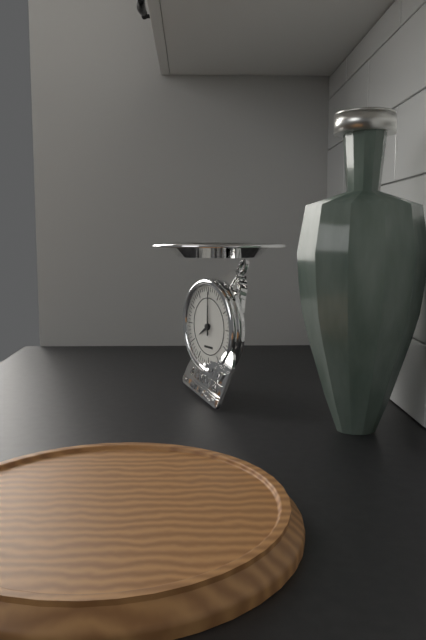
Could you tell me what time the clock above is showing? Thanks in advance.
8:00
